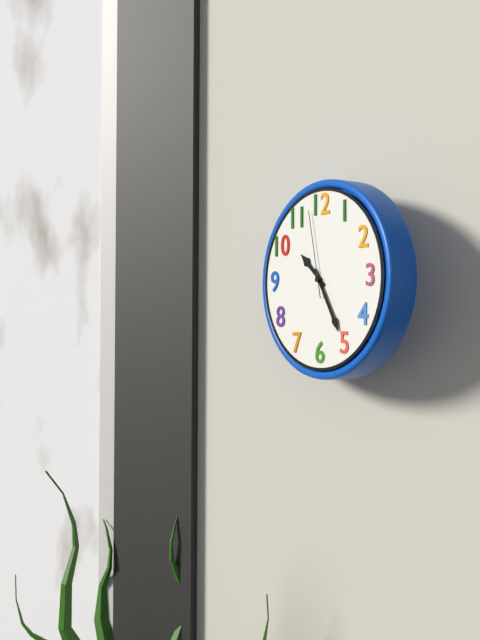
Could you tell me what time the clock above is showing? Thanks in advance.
10:25:58
